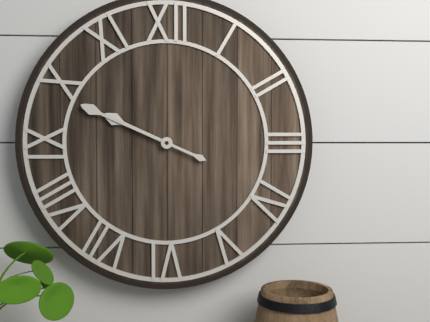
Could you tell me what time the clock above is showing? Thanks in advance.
9:49
